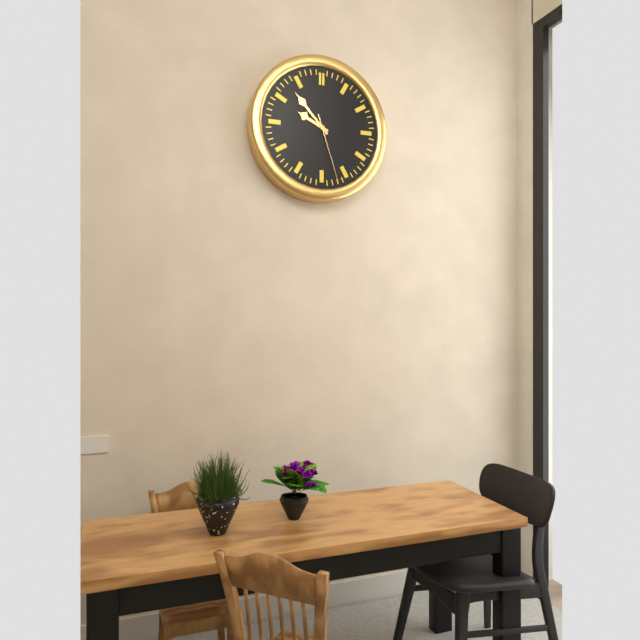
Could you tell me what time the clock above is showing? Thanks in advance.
9:53:27
